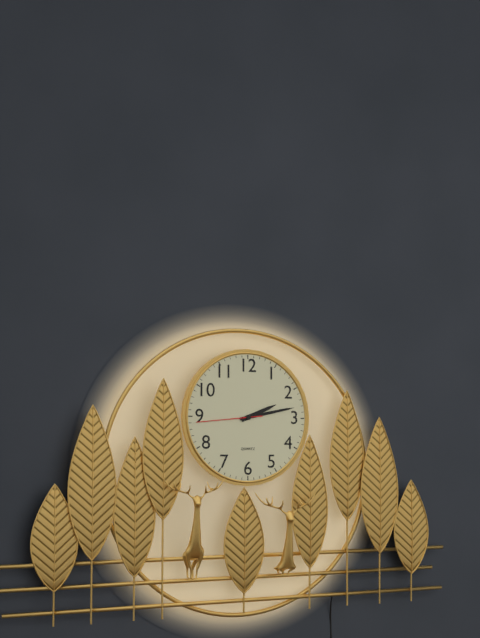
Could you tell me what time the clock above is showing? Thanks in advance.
2:13:44
